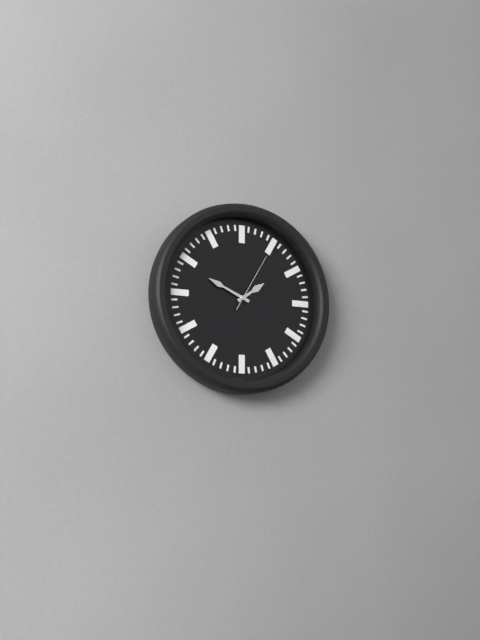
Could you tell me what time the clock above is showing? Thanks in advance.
1:49:05
